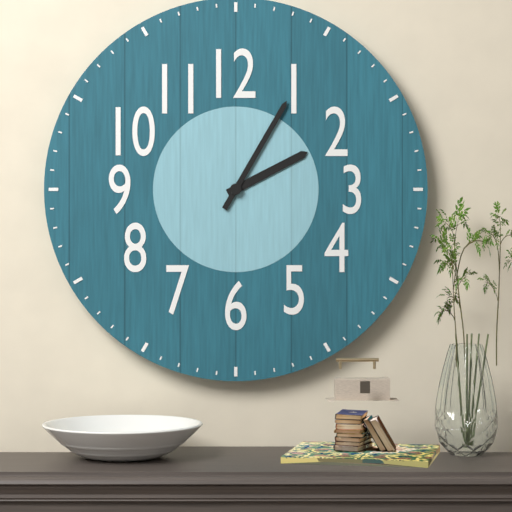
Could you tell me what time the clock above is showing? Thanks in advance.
2:05
